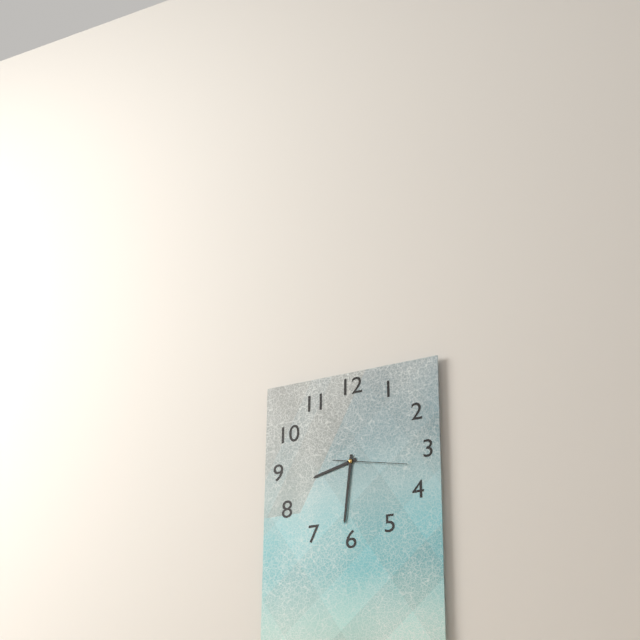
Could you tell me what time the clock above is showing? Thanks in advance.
8:31:17
